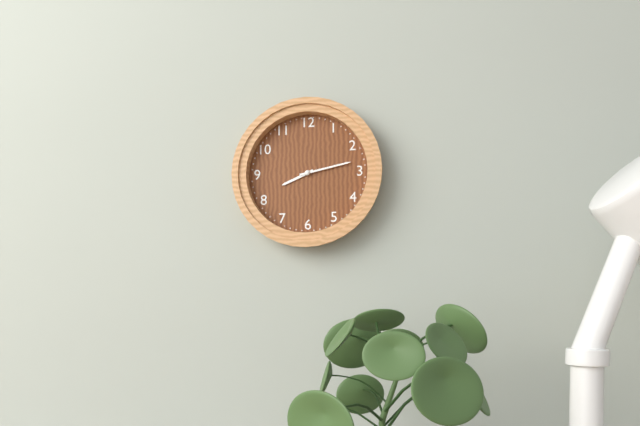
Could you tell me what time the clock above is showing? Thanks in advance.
8:13
